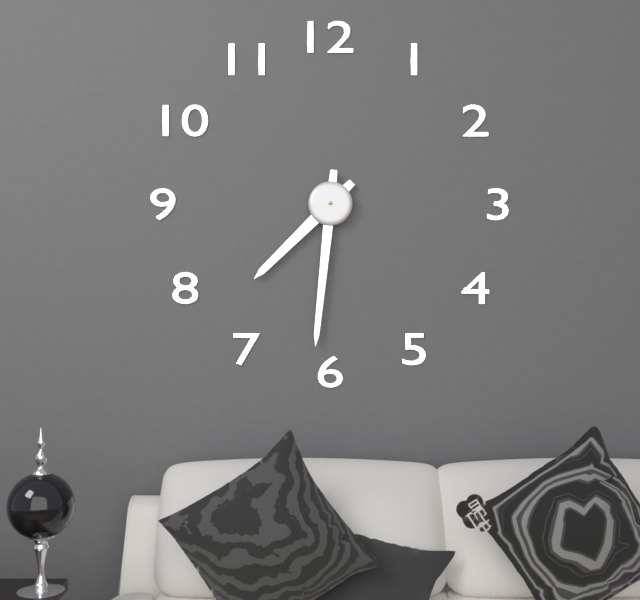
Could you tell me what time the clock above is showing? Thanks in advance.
7:31
